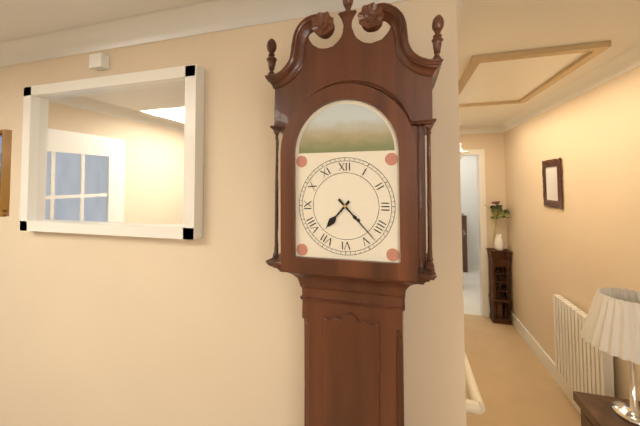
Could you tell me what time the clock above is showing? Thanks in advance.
7:23
